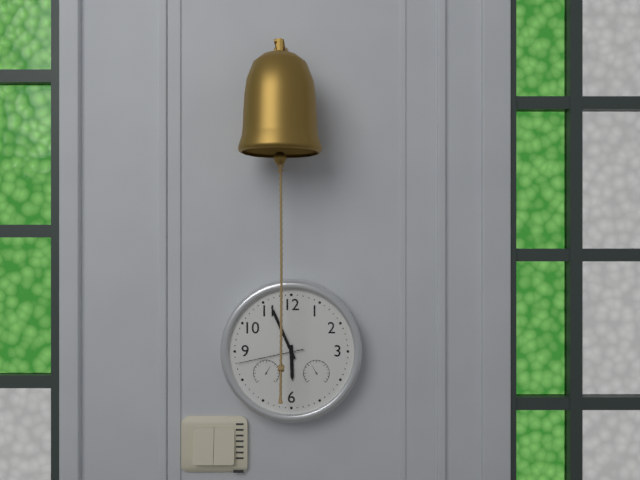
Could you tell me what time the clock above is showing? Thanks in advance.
5:56:43
